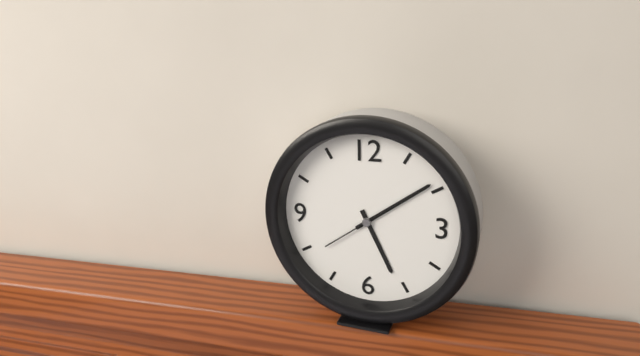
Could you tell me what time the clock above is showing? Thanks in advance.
5:09:09
